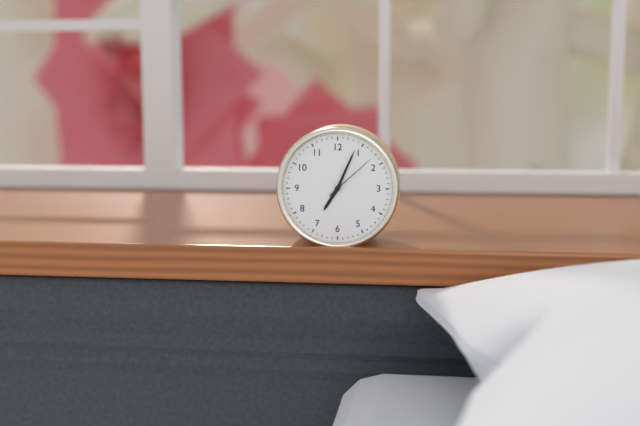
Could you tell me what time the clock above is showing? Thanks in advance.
7:04:08
